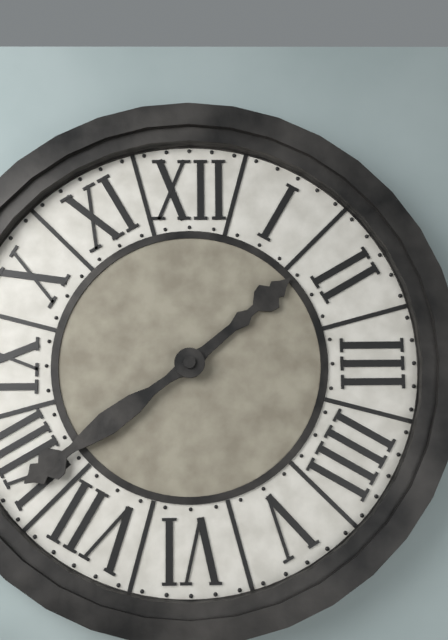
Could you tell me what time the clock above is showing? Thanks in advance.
1:39
